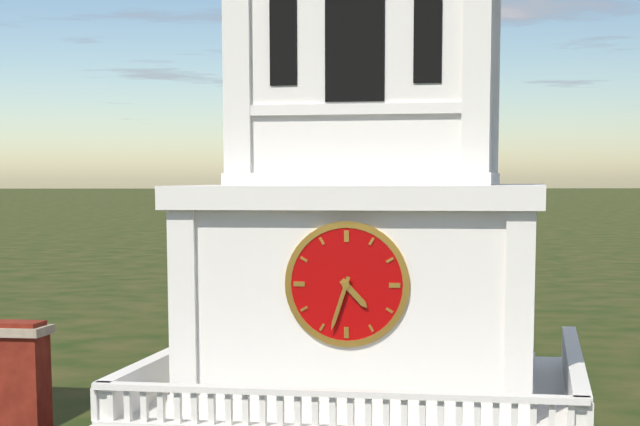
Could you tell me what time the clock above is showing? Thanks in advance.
4:33
